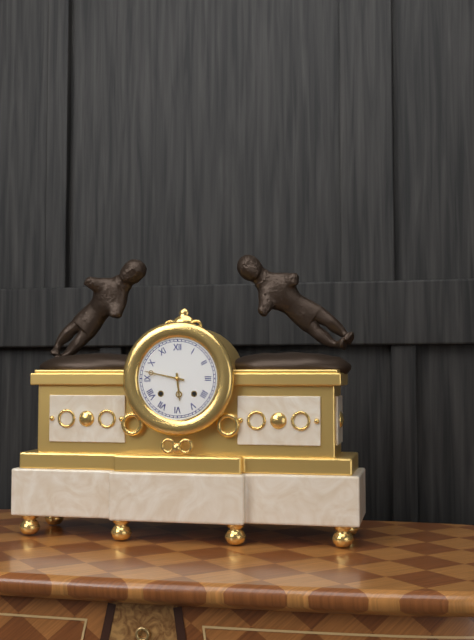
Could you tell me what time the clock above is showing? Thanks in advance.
5:47
